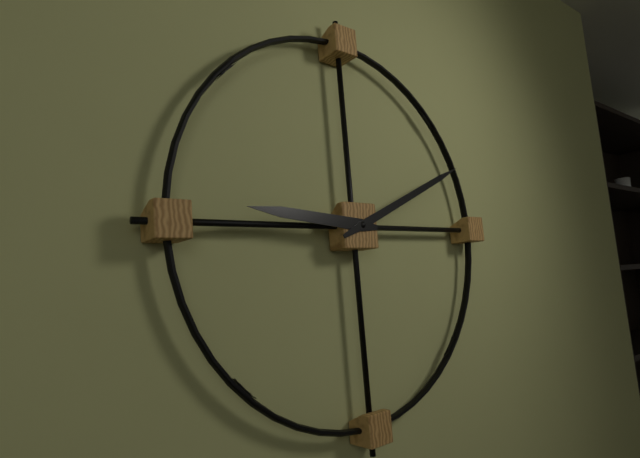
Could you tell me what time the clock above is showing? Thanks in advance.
9:11
